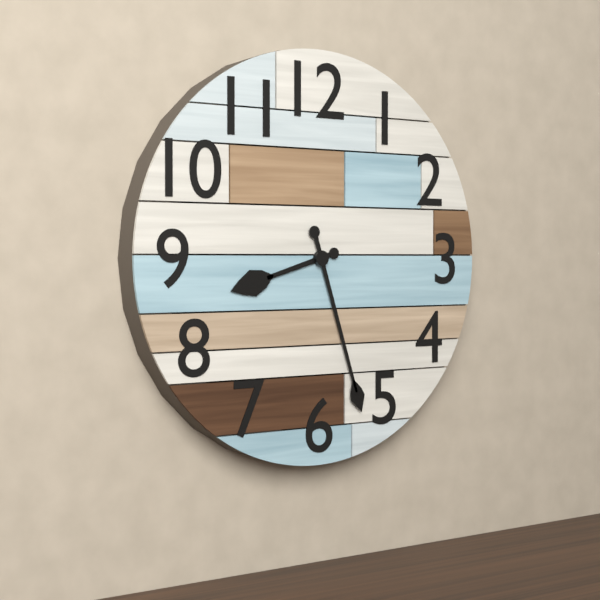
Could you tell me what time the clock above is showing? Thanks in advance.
8:27
